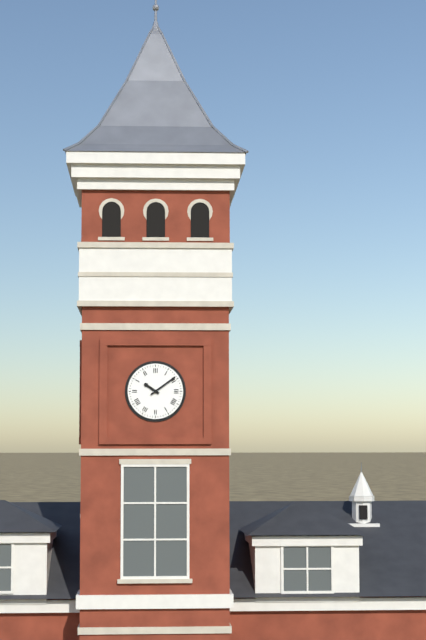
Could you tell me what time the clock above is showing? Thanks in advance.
10:09
